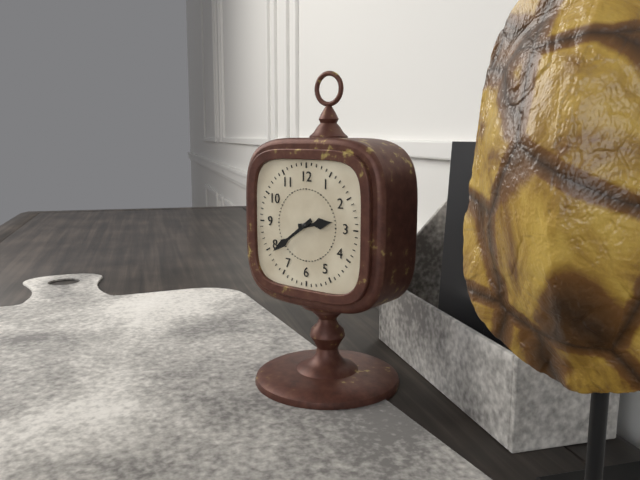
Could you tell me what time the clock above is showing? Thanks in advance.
2:39
